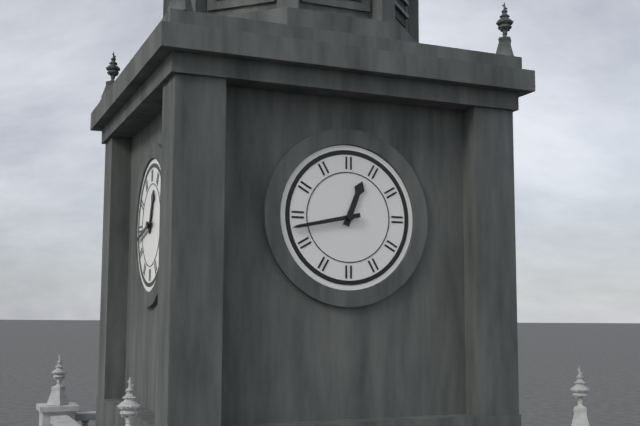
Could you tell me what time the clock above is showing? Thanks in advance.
12:43
